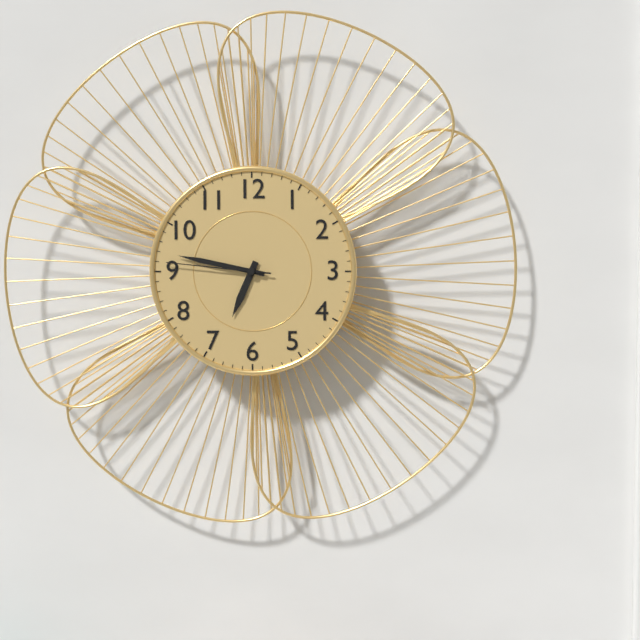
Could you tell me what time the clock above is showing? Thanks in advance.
6:47:46
